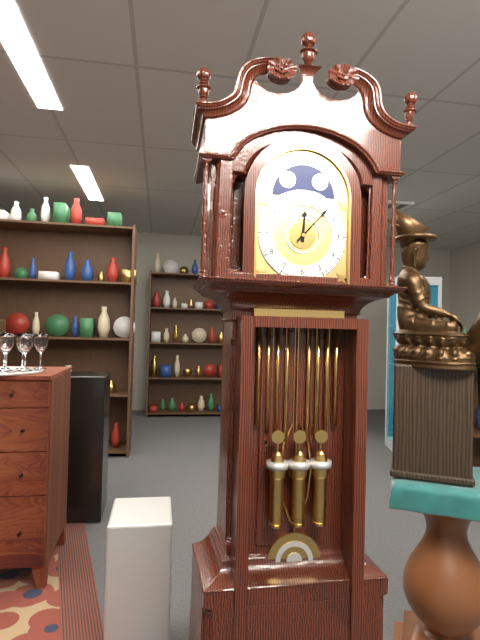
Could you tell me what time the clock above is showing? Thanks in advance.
12:07
